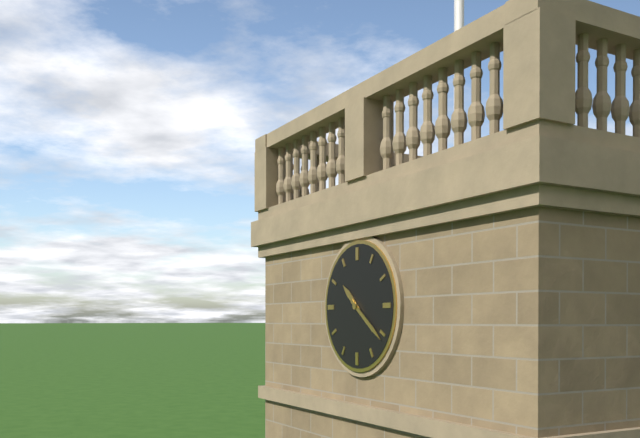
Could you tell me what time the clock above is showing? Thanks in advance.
10:21
